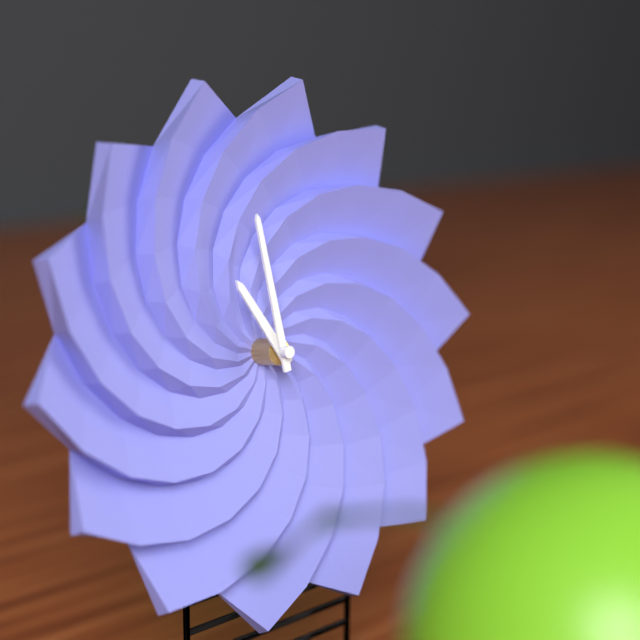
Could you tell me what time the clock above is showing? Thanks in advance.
10:59
